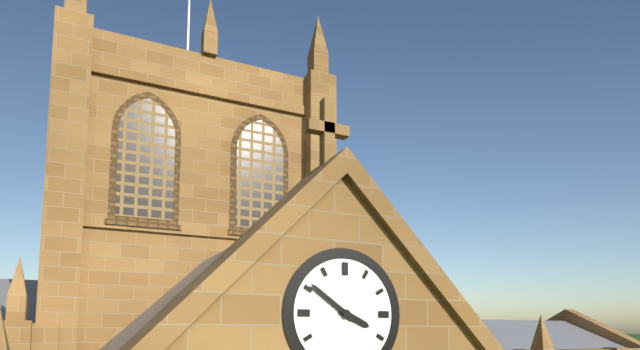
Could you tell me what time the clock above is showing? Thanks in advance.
3:51
